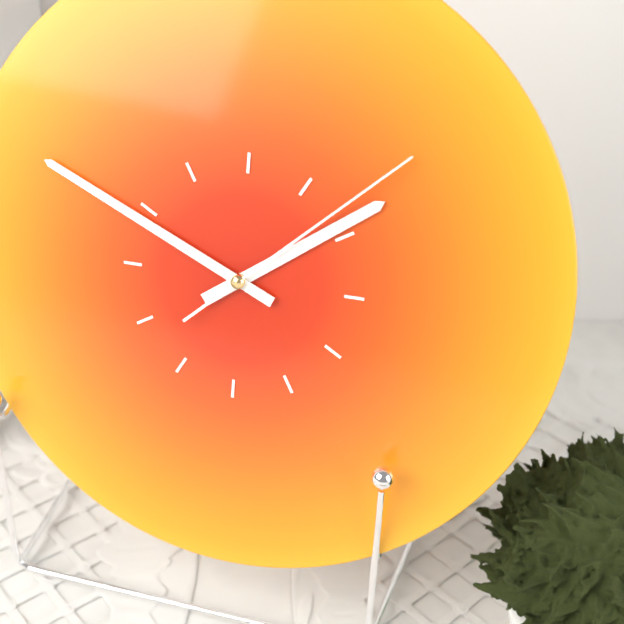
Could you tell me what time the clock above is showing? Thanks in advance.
1:49:08
